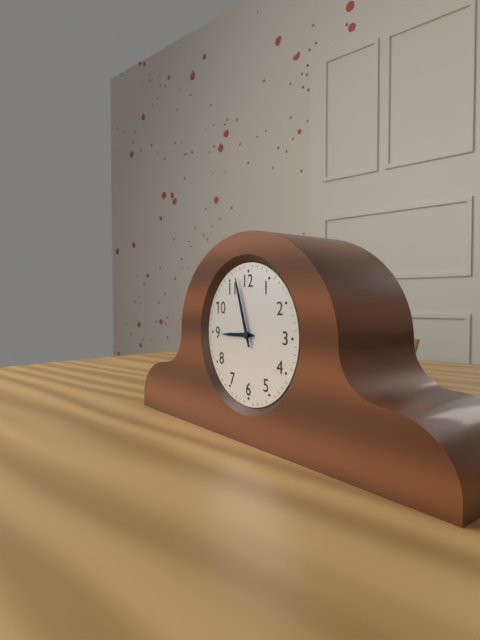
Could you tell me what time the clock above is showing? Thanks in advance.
8:57
